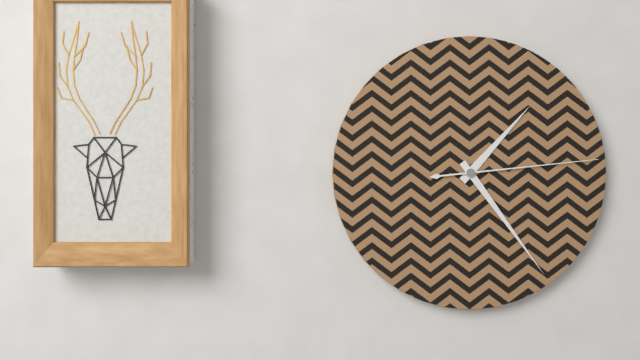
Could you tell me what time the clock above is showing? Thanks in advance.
1:24:14
